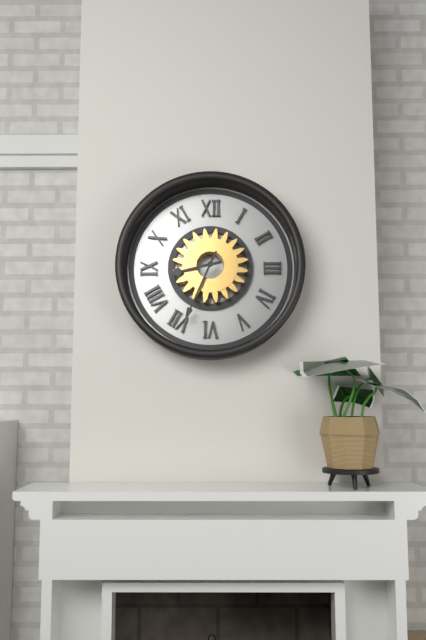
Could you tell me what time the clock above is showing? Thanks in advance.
8:34
